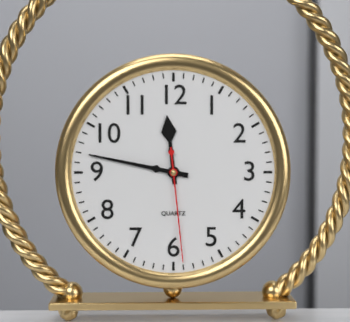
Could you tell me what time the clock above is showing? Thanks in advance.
11:47:29
